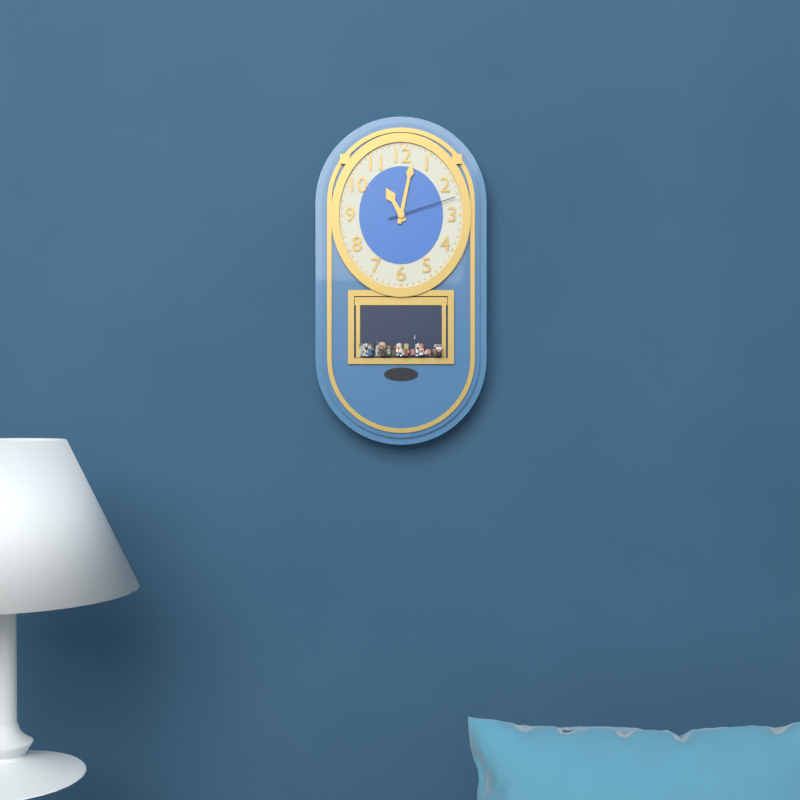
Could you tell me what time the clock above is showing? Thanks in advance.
11:02:12
